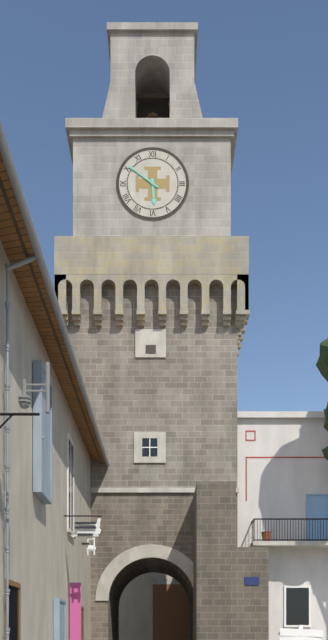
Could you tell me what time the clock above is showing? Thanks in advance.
5:51
